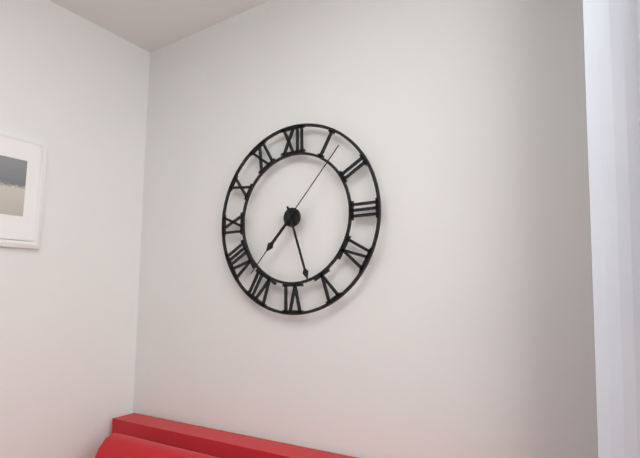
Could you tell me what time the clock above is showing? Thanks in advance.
7:27:07
